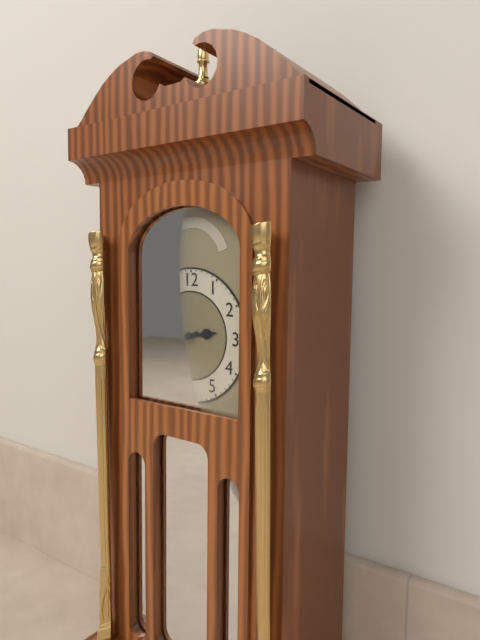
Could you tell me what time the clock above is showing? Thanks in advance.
2:42
